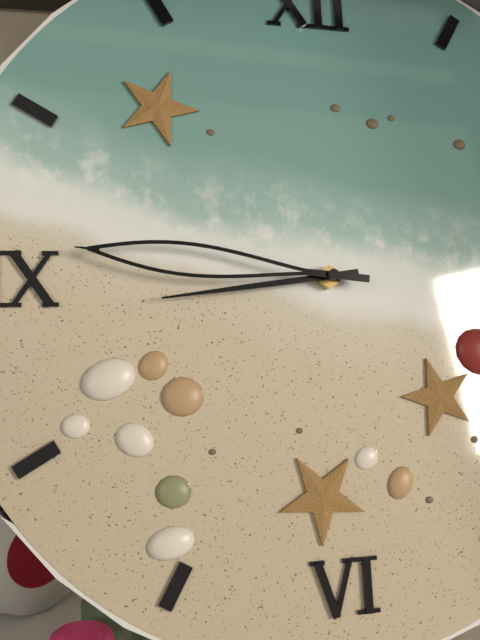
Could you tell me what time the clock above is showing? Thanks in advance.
8:46
